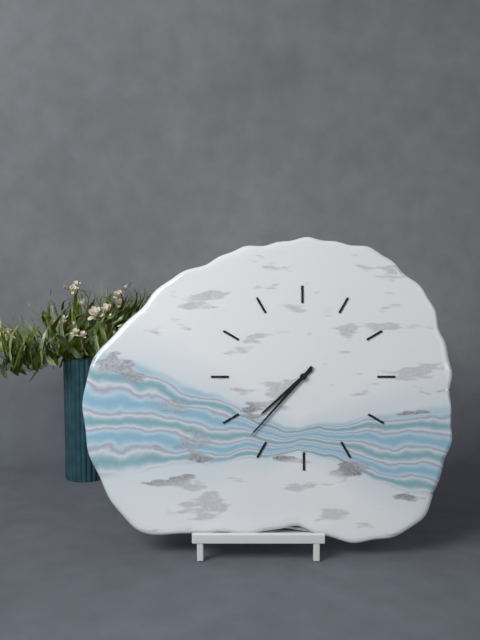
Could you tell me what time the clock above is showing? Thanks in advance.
7:37
